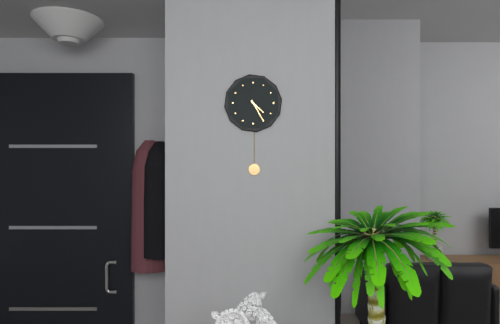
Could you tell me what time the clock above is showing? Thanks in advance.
4:25
